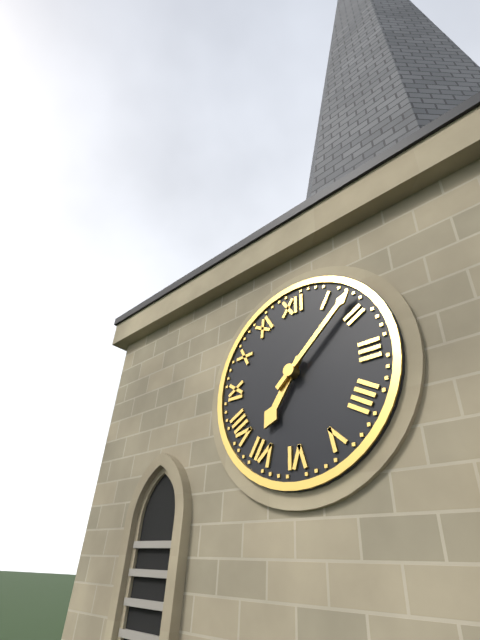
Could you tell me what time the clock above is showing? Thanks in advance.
7:08
